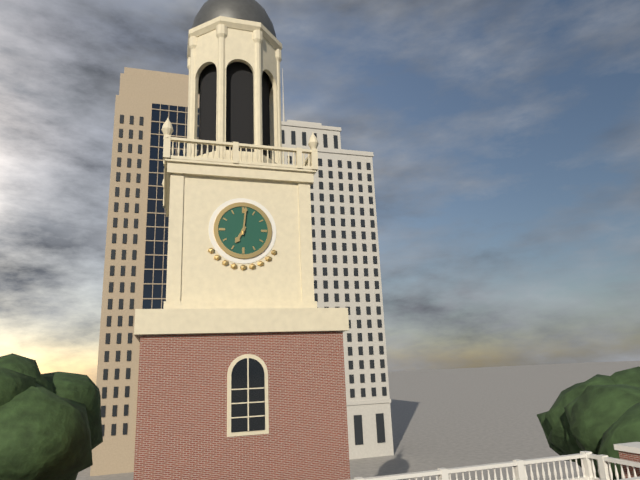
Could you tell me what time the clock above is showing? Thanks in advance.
7:01
